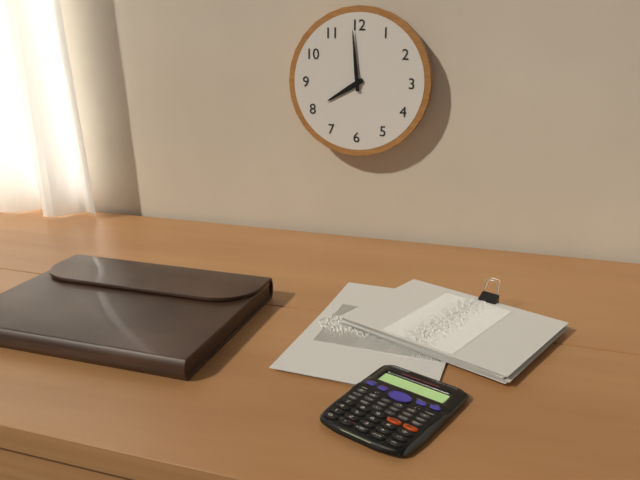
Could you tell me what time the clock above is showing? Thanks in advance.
7:59
